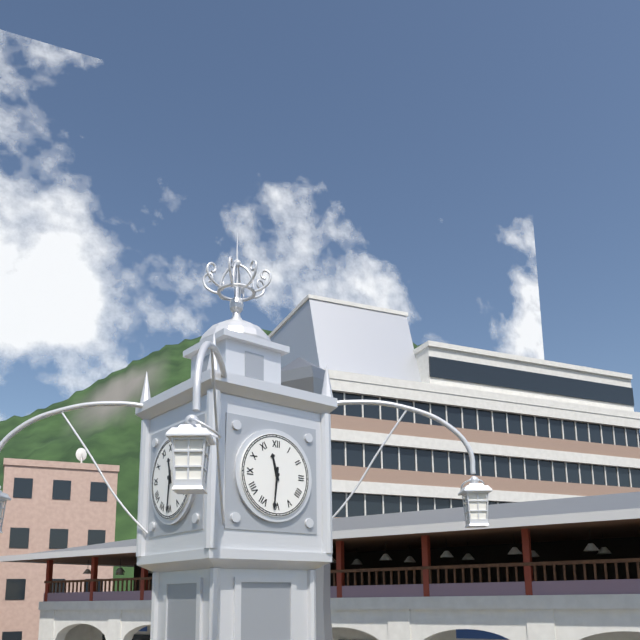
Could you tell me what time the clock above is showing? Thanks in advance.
11:31
